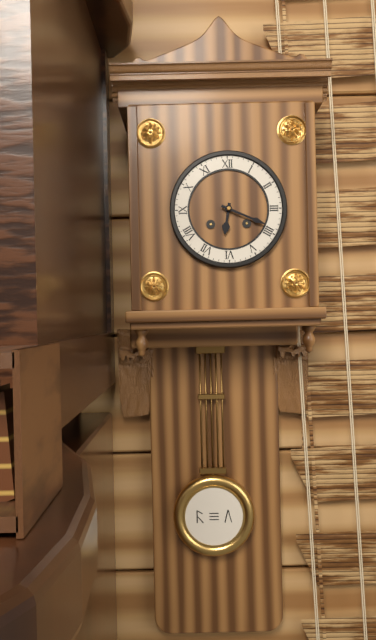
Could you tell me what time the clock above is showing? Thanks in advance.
6:19
